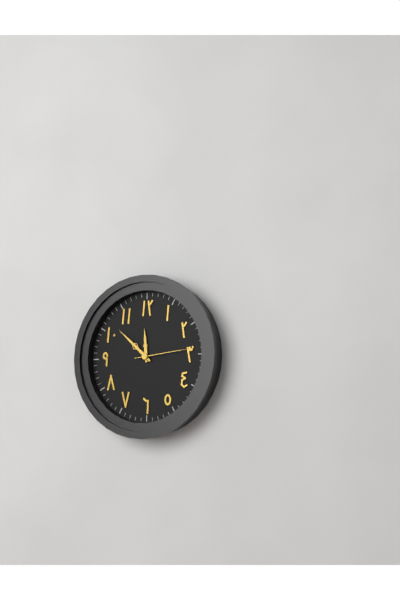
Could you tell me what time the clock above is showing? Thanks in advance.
11:52:14
